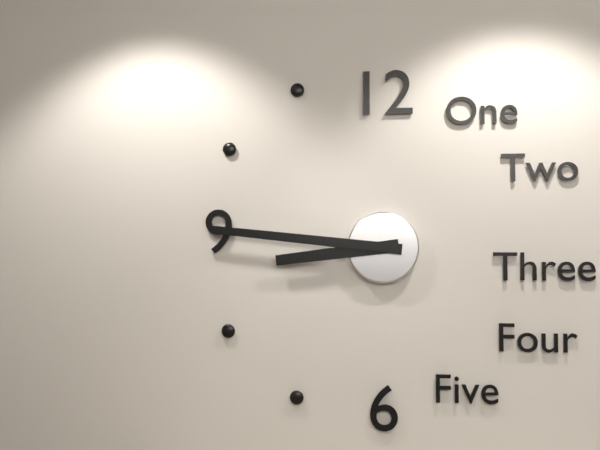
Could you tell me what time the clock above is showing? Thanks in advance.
8:46
